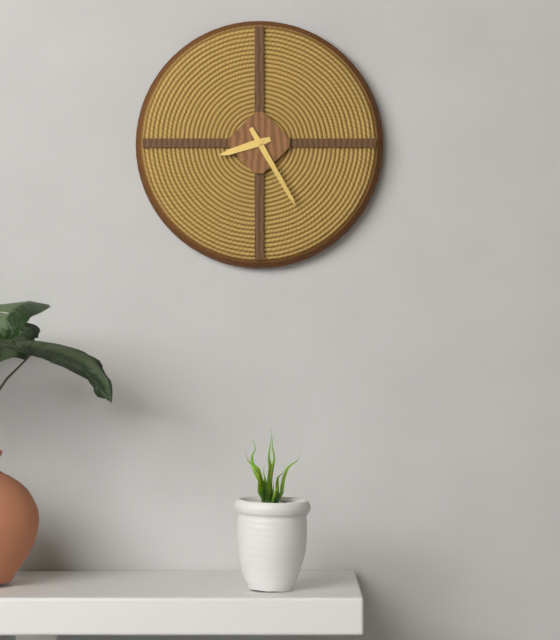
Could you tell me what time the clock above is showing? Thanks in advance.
8:25
